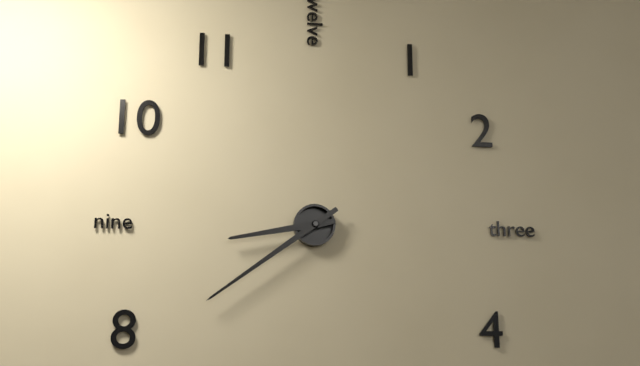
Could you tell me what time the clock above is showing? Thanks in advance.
8:39
